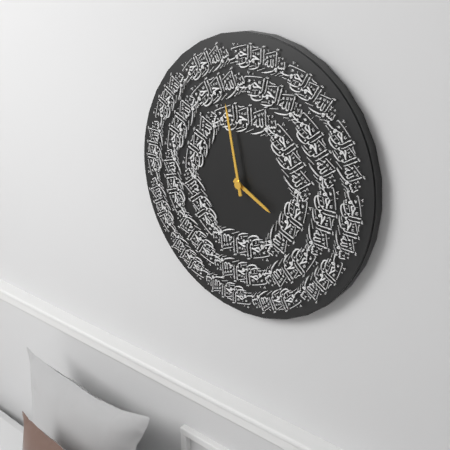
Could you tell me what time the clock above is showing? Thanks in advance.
3:58
